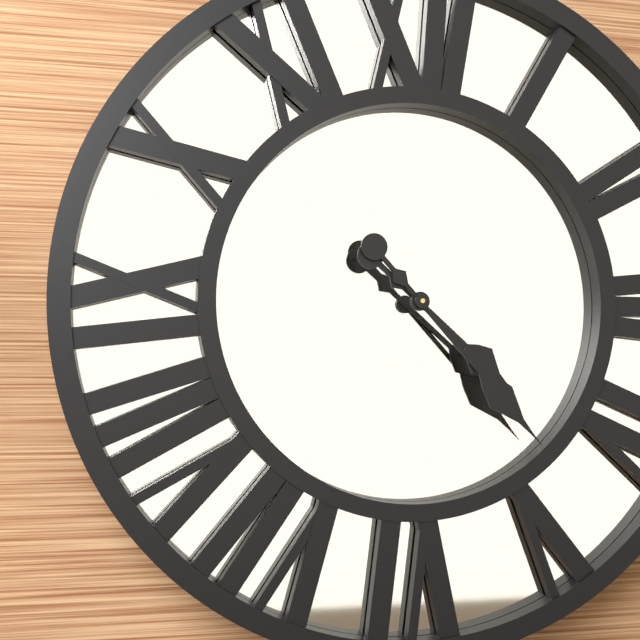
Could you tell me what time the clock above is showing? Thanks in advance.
4:23
